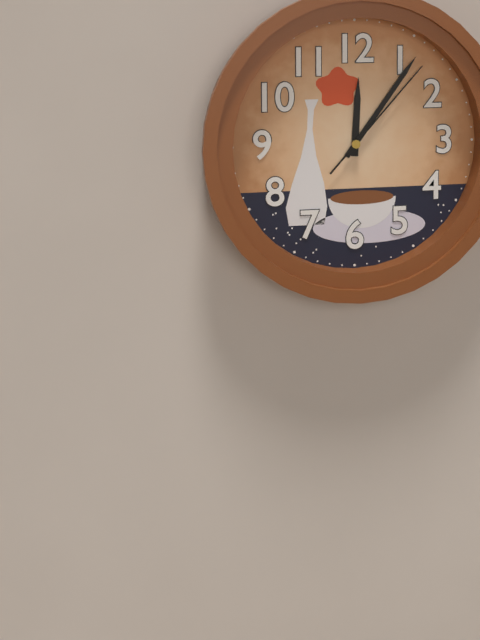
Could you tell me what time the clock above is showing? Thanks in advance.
12:06:07
